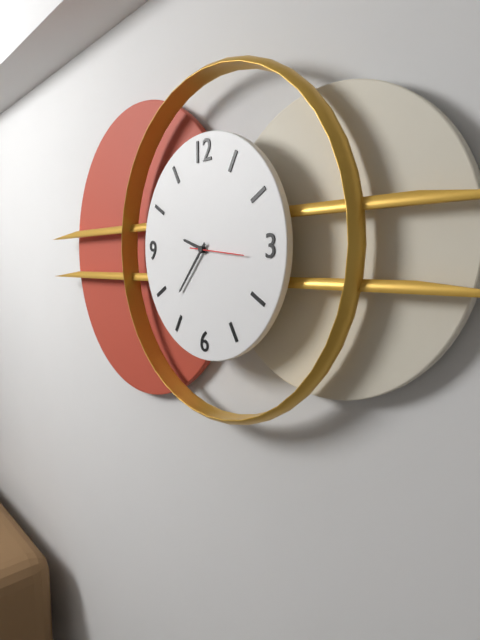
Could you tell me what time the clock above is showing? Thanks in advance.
9:37:16
